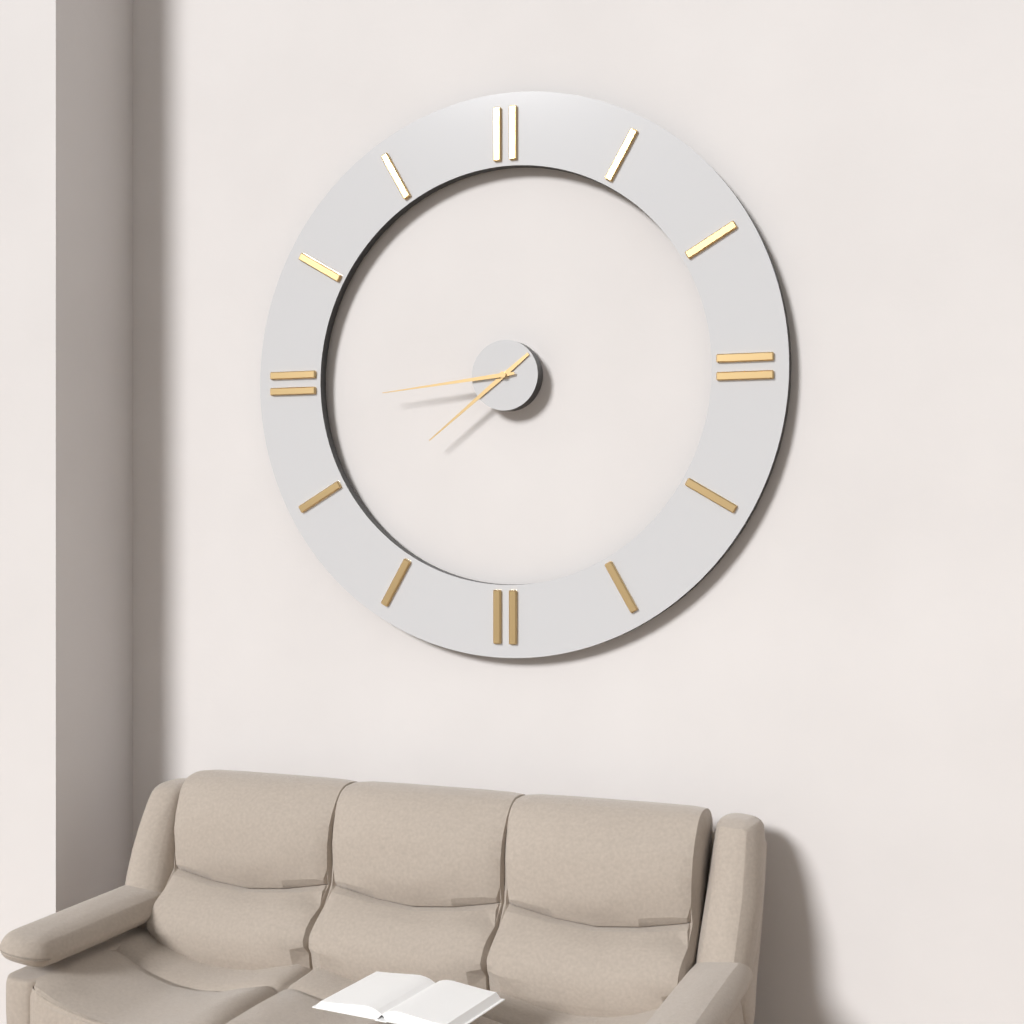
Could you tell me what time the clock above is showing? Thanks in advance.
7:44
